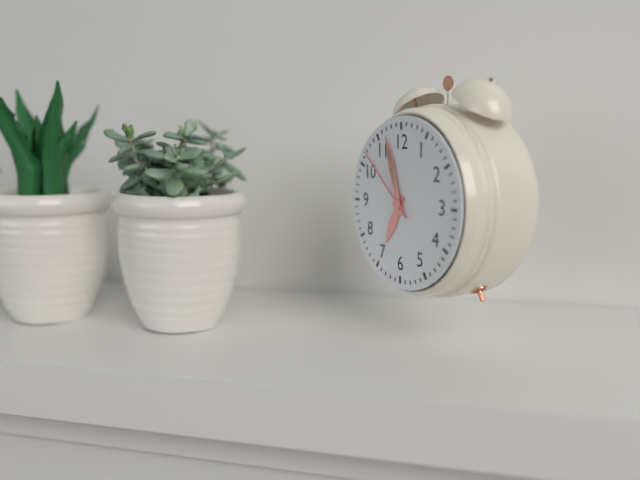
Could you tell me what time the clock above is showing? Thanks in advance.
6:57:52
